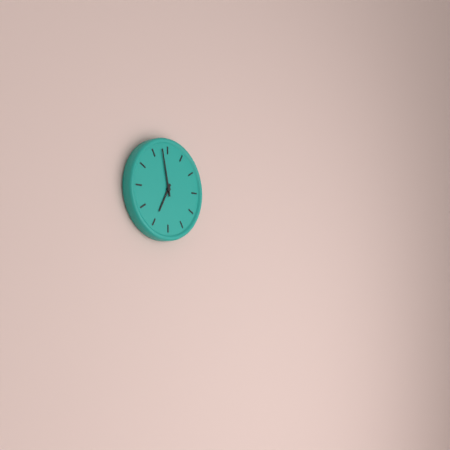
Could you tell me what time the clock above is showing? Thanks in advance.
6:58
